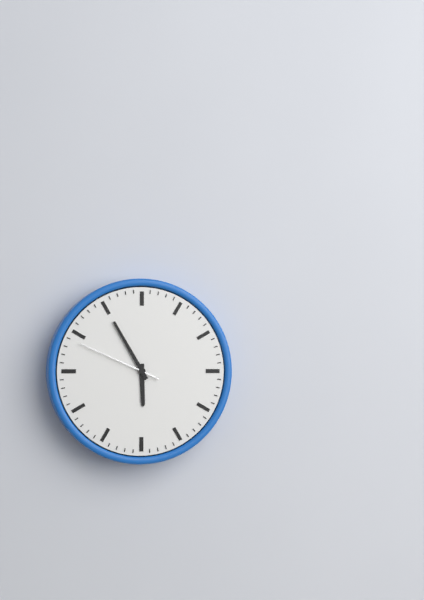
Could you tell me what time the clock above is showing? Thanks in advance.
5:55:49
